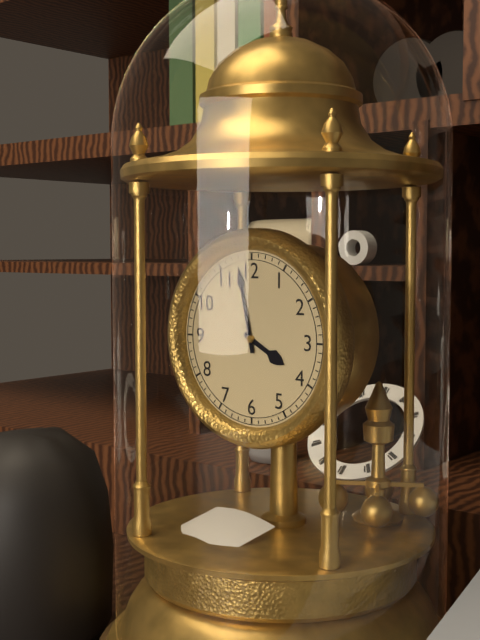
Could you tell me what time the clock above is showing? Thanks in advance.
3:58
